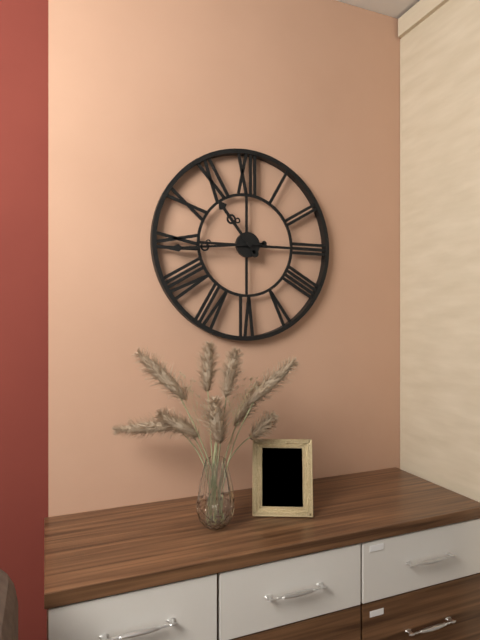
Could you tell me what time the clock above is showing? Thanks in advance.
10:44
